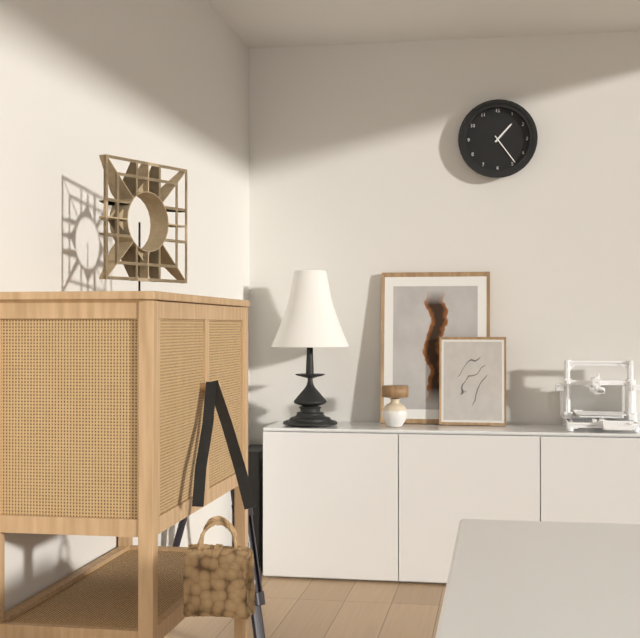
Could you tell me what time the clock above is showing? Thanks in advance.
1:24
